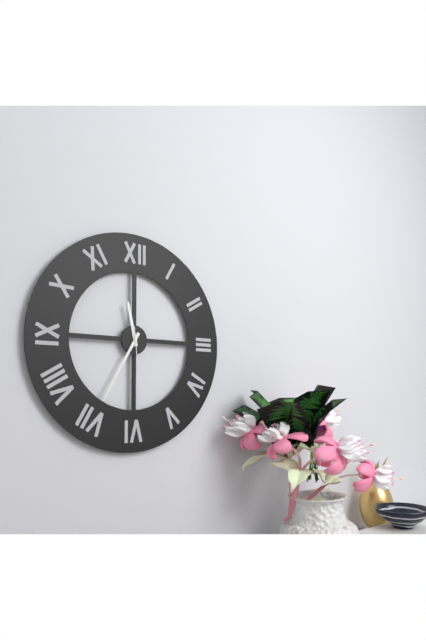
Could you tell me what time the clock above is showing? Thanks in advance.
11:35:29
